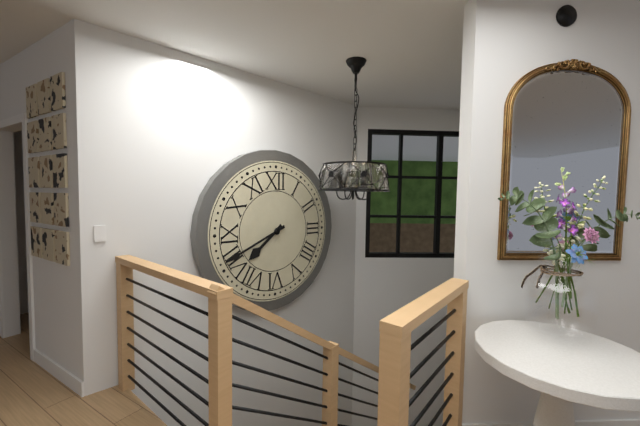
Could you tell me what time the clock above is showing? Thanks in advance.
7:41
